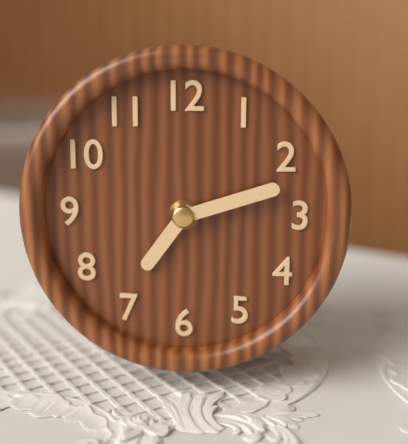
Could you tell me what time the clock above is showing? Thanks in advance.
7:12
